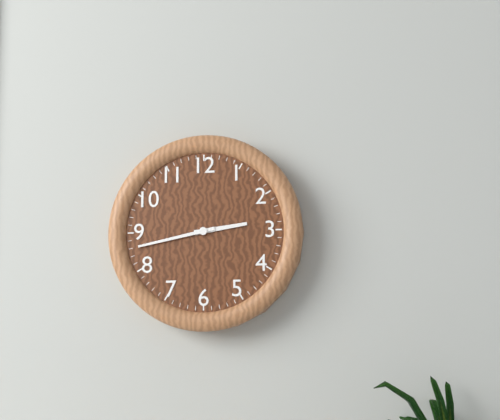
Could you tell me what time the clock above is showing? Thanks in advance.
2:43
